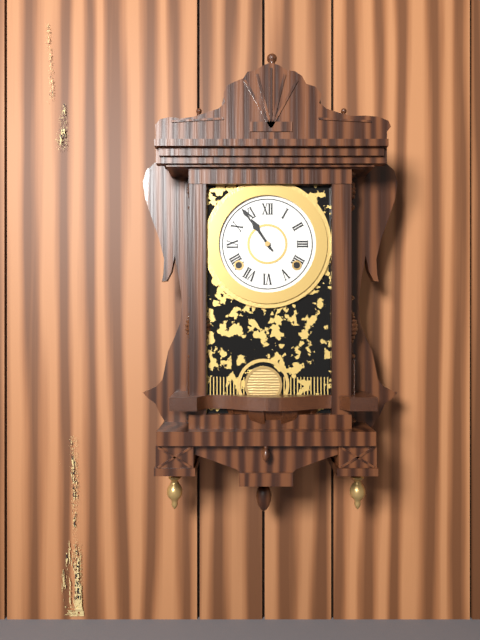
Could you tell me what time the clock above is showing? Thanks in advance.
10:54
